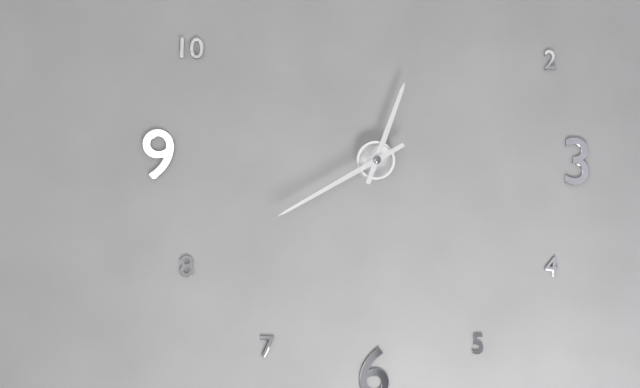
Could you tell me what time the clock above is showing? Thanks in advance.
12:40
